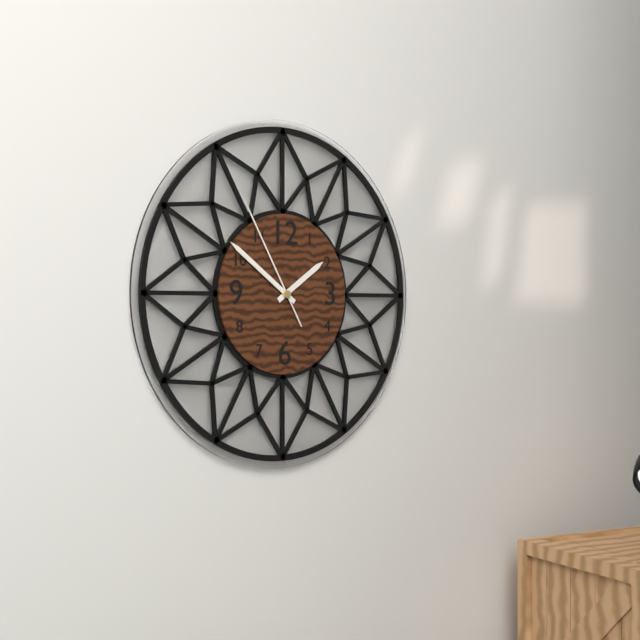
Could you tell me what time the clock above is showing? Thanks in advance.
1:51:55
